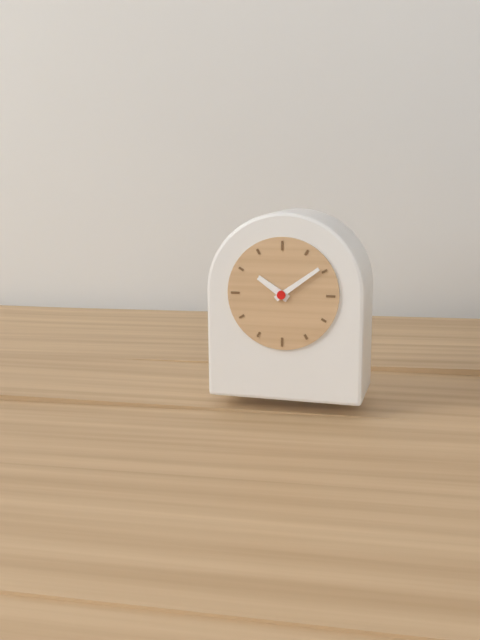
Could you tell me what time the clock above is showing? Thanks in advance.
10:09
